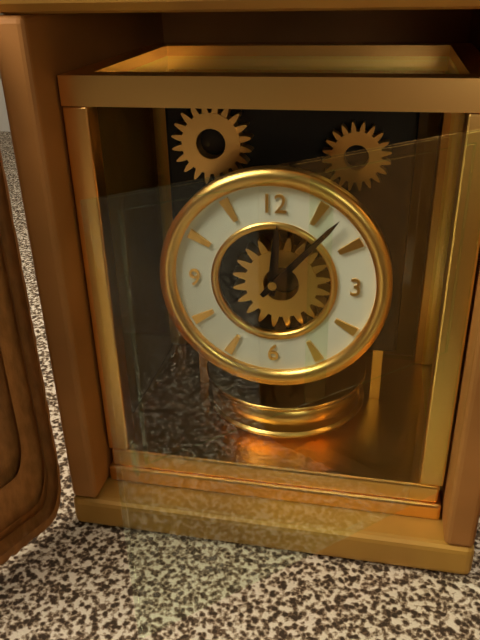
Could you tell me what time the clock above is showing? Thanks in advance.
12:07
